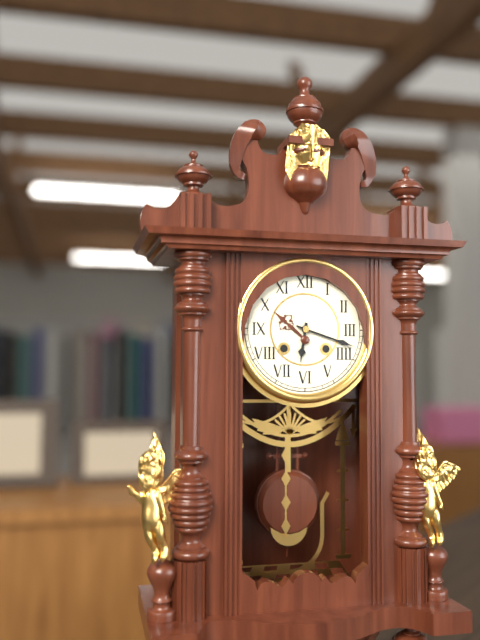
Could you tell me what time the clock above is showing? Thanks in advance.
6:18
